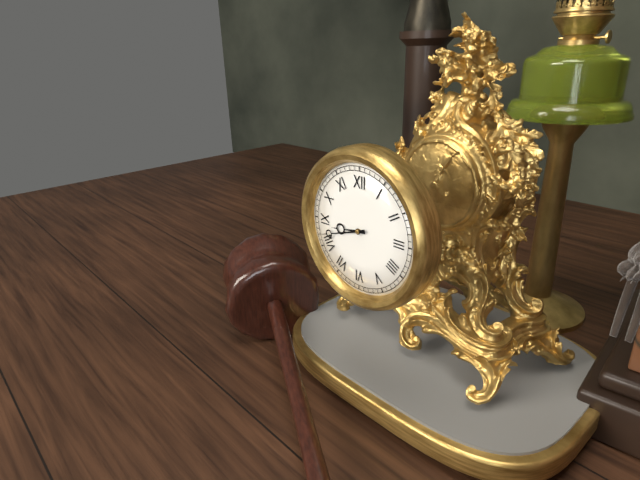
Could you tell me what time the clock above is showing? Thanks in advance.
8:42
